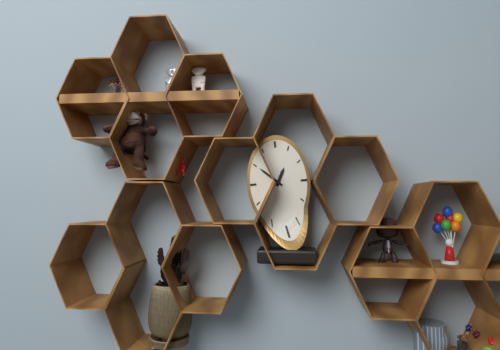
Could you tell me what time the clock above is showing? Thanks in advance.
12:52
